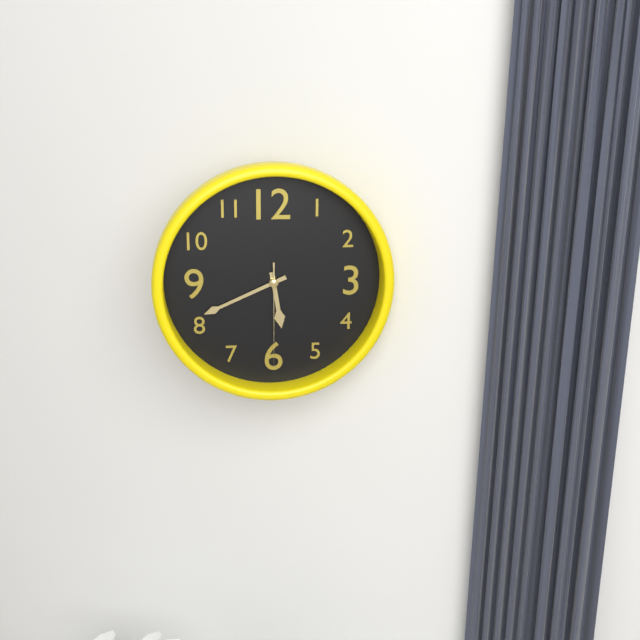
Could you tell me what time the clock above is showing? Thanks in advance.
5:41:30
